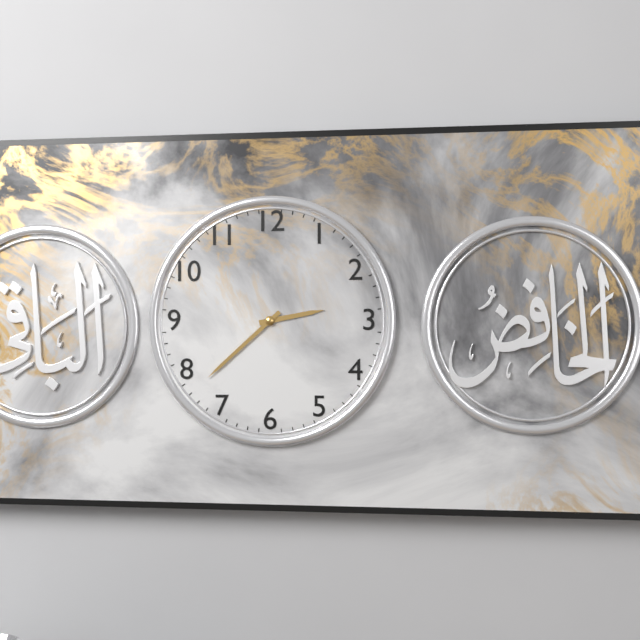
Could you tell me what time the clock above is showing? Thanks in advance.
2:38
